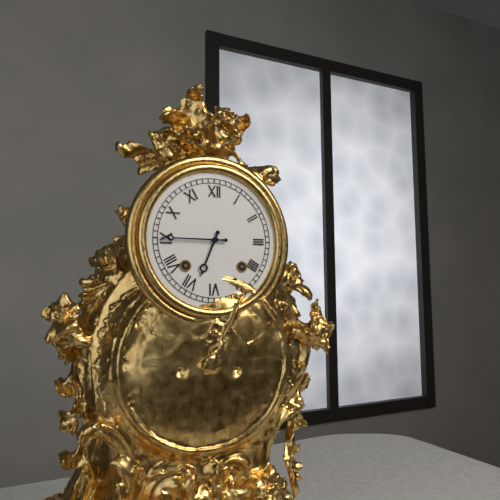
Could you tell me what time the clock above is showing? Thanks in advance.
6:45
